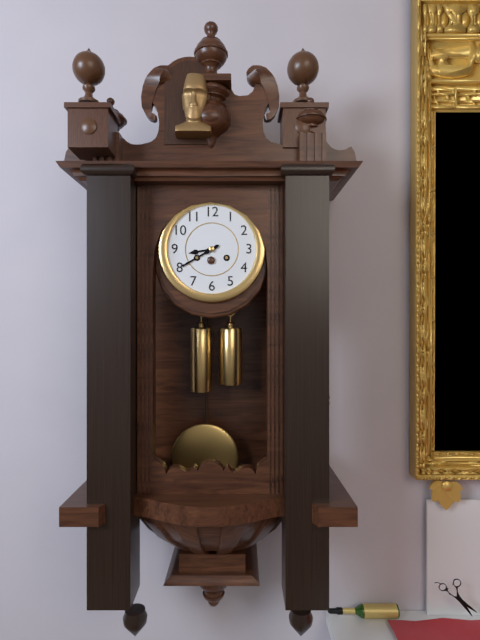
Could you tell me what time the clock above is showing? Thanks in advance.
8:40
